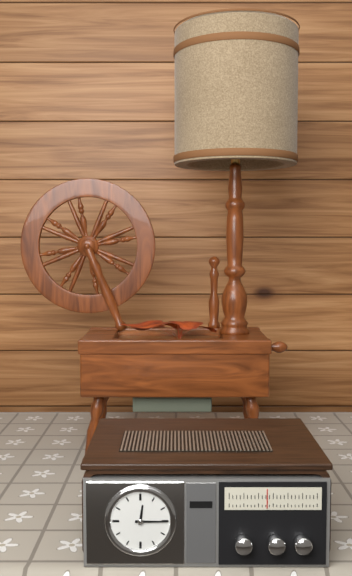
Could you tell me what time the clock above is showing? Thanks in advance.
12:15
